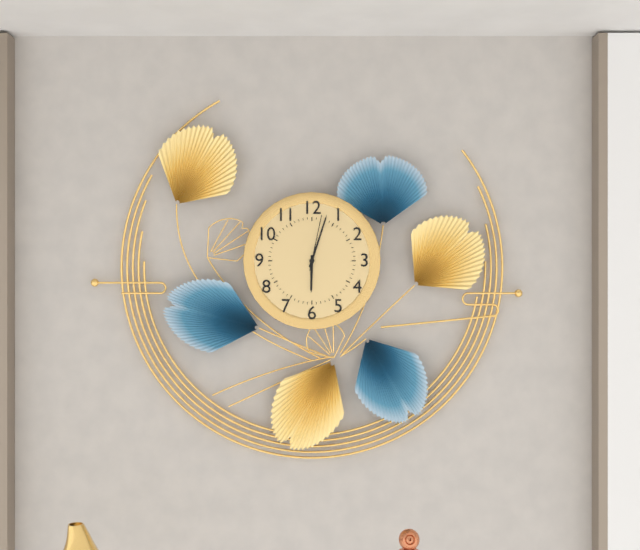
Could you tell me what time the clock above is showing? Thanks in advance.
6:03:02
